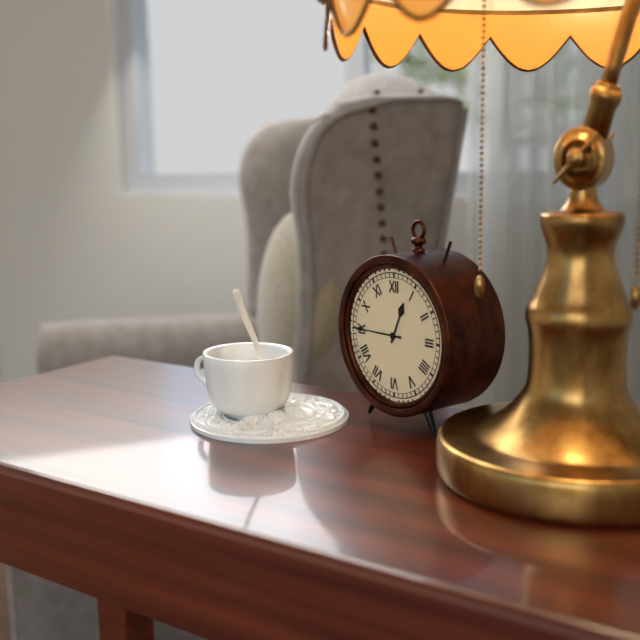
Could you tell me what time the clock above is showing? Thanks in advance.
12:45
